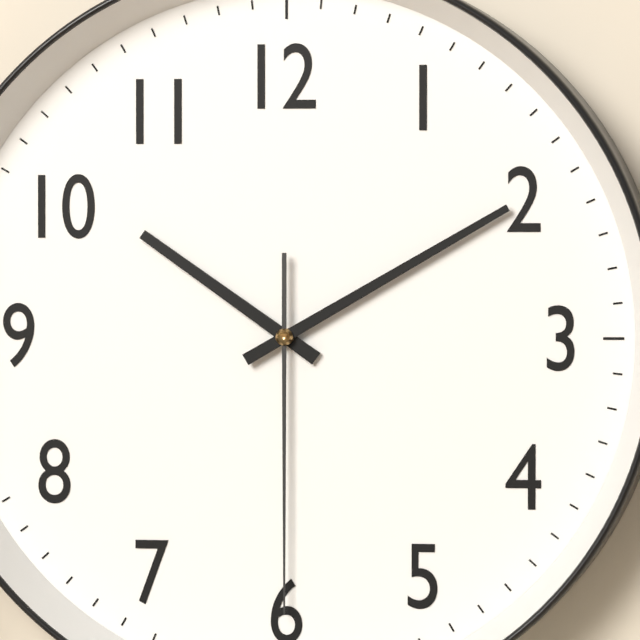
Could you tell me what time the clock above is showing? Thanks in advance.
10:10:30
